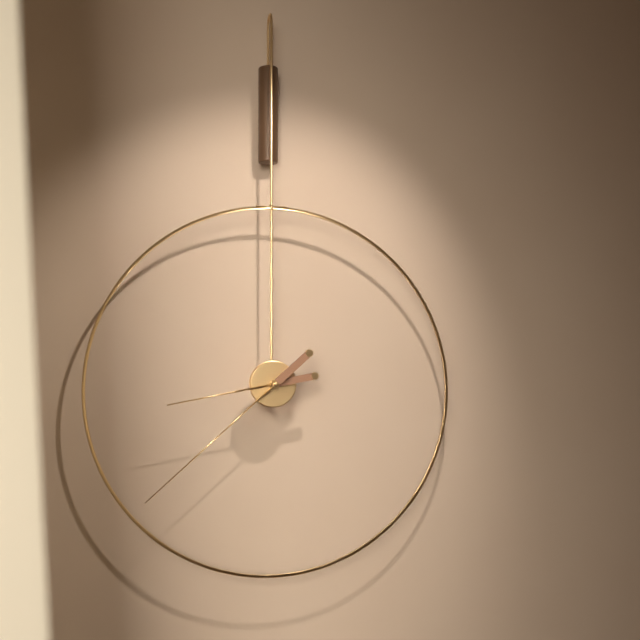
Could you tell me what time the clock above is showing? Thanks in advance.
8:38
